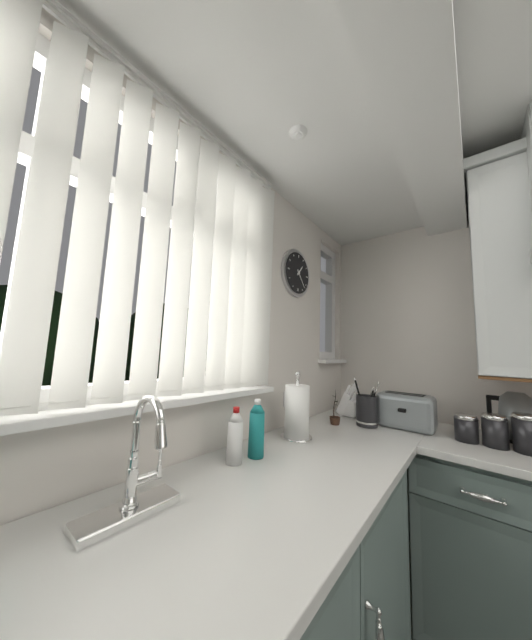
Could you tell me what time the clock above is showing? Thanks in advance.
1:23
